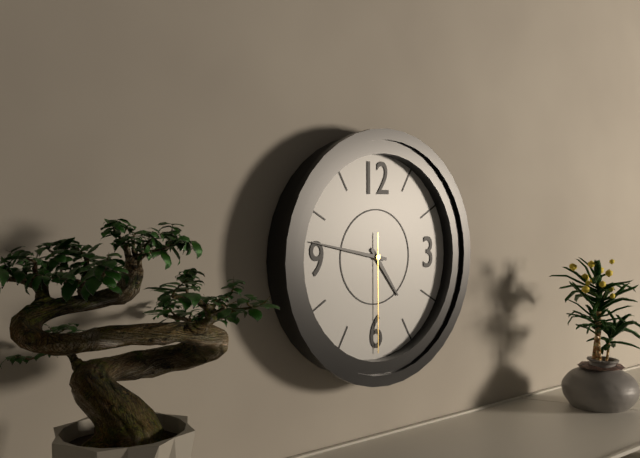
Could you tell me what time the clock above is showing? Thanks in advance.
4:47:30
